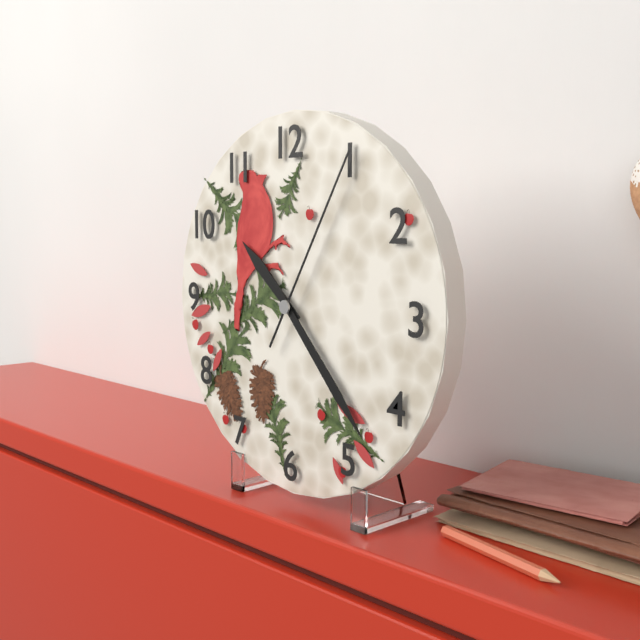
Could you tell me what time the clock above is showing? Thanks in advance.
10:23:05
